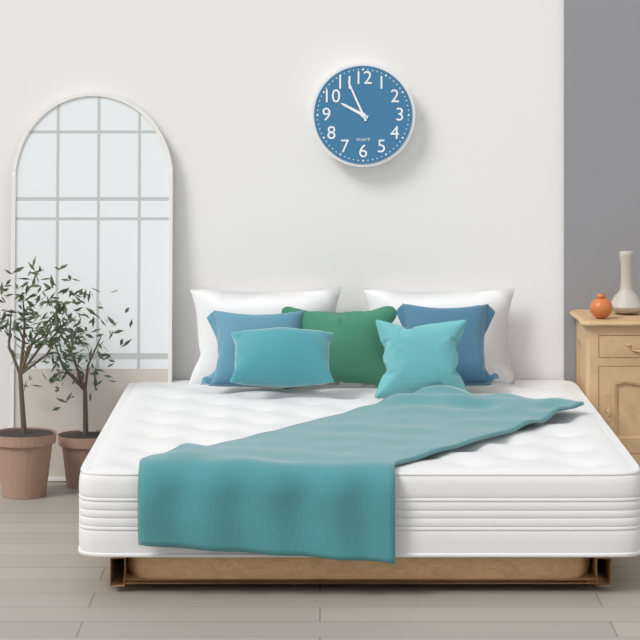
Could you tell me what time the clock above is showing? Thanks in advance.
9:56
